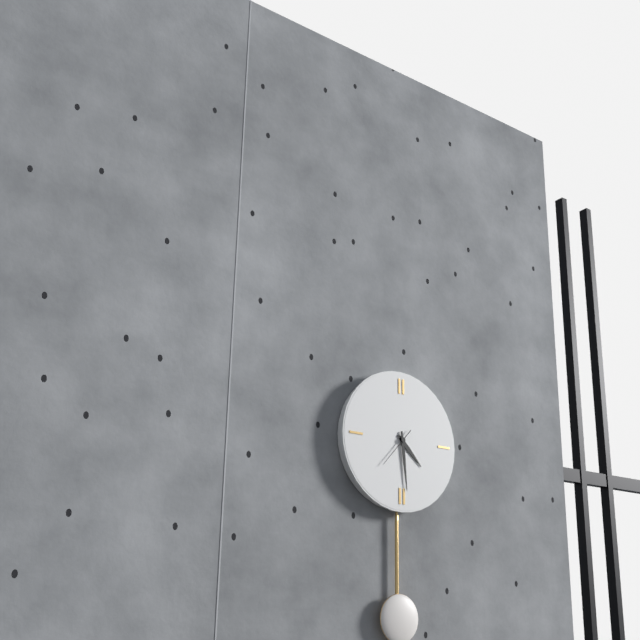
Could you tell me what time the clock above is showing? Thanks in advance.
4:29
